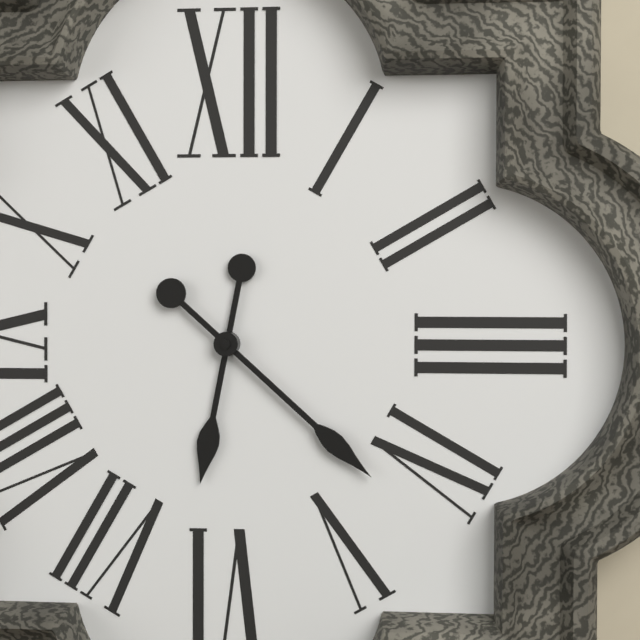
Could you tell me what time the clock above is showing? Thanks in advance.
6:22
